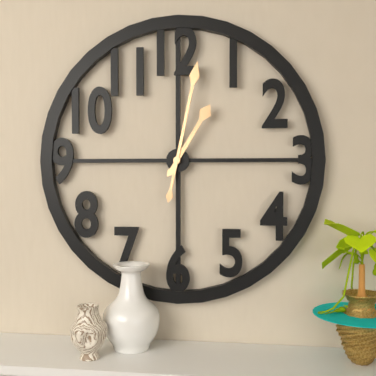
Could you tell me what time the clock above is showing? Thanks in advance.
1:02
